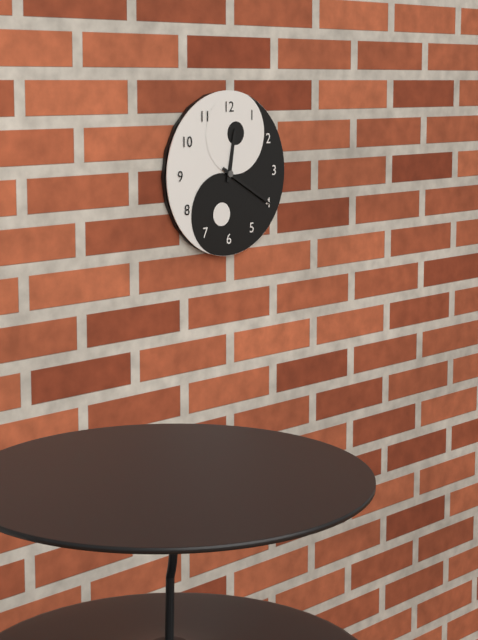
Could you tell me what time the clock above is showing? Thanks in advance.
12:20
